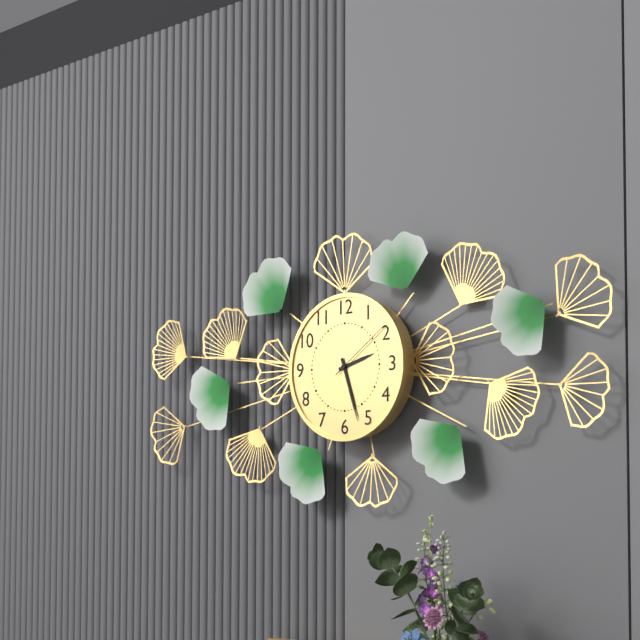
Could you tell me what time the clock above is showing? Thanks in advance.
2:27:09
